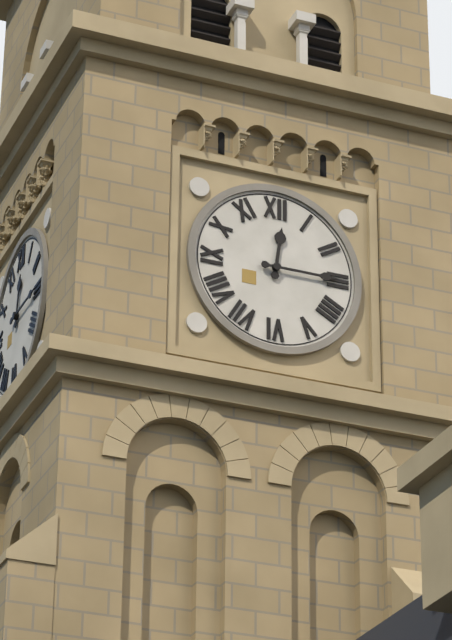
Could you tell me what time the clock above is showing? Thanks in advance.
12:15
